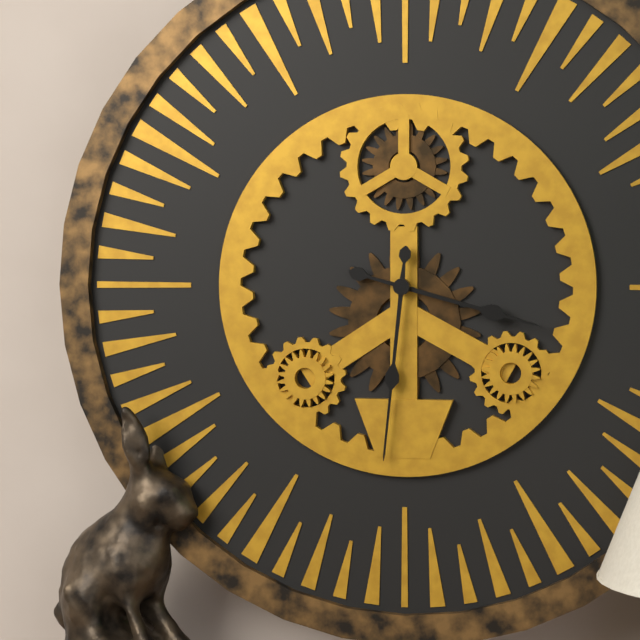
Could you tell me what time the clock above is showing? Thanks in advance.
3:31
